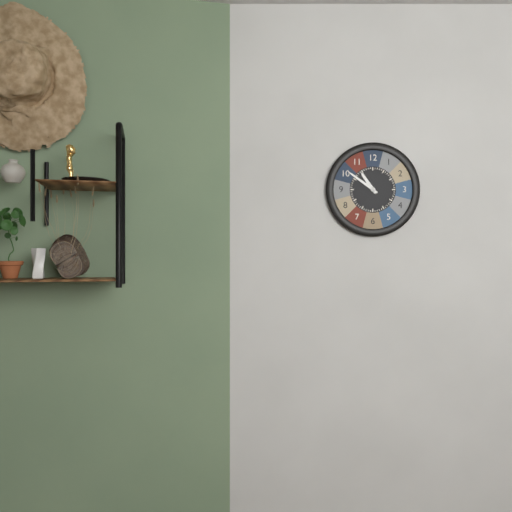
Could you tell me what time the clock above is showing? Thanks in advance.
10:51
